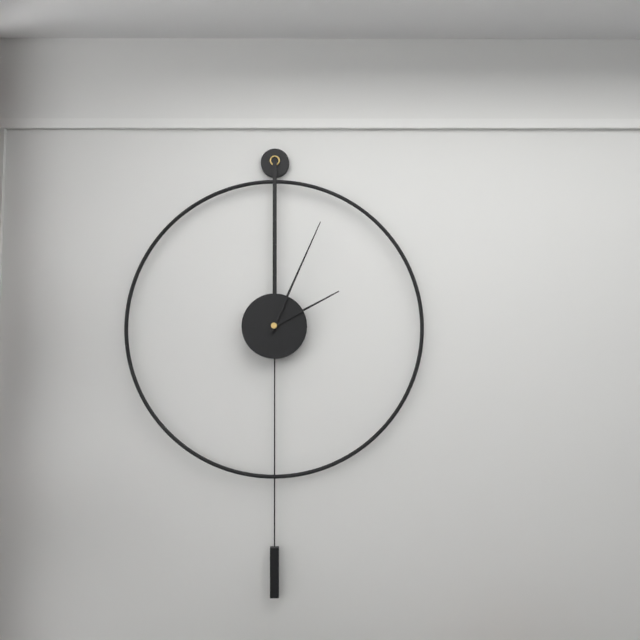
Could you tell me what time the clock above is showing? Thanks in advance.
2:04
